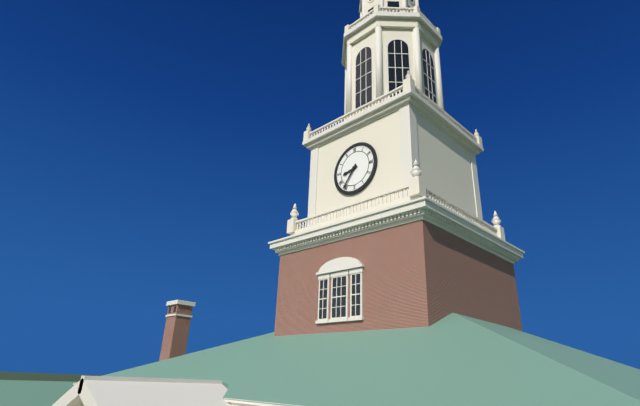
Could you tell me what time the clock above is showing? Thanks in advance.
8:36
